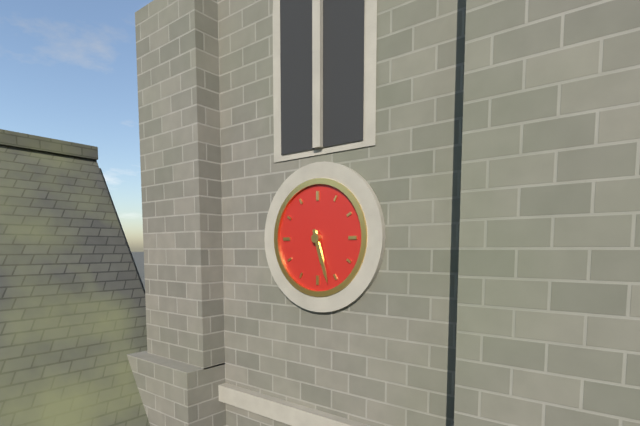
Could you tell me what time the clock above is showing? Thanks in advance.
5:27
